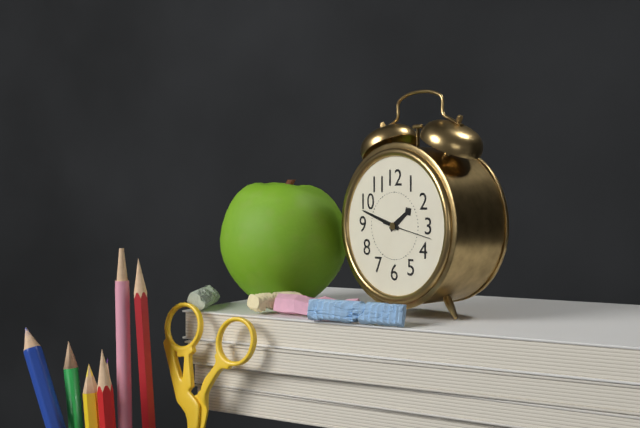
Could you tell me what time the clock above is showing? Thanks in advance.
1:48
